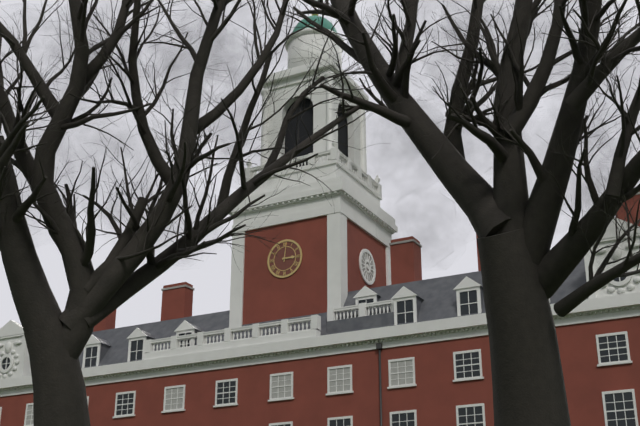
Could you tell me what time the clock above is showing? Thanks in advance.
3:01
